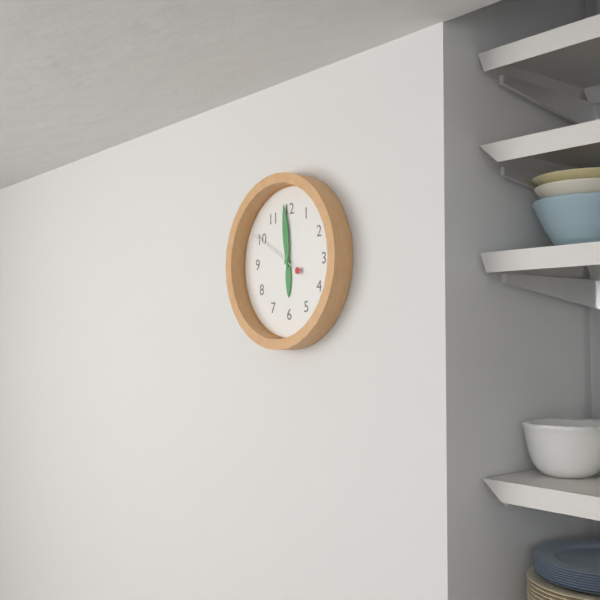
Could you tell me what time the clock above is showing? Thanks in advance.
5:59:50
